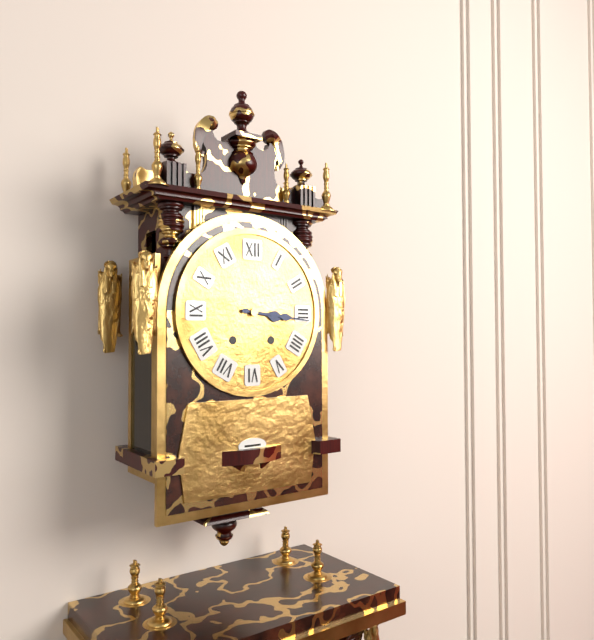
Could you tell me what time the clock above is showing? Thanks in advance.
3:16
